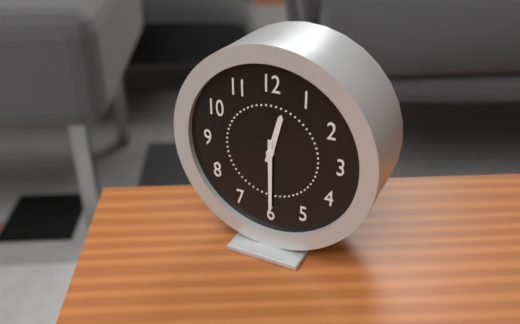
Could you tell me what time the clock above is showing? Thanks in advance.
12:30
